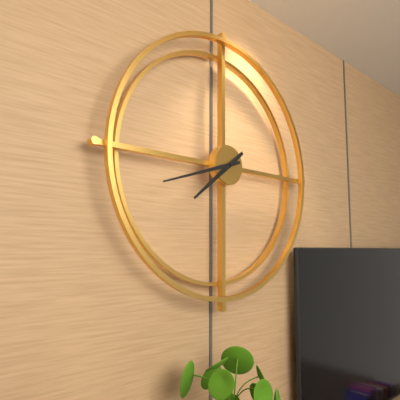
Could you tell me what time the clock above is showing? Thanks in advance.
7:42
